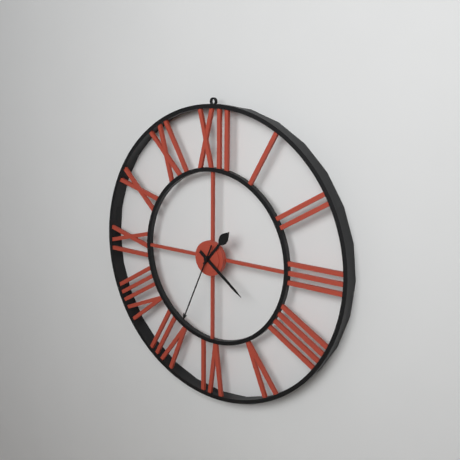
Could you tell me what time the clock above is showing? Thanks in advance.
1:21:34
